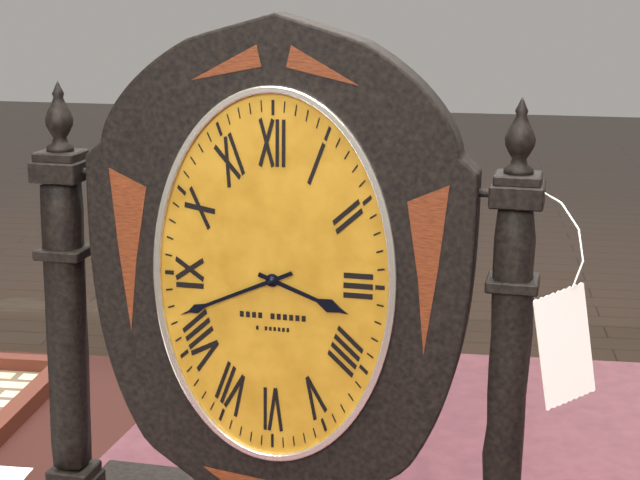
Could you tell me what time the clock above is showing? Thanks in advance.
3:41
